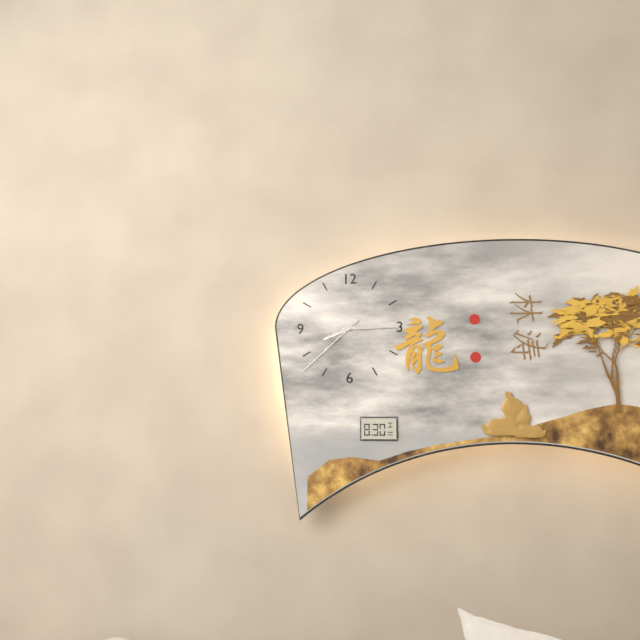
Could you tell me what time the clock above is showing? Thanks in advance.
8:15:38
